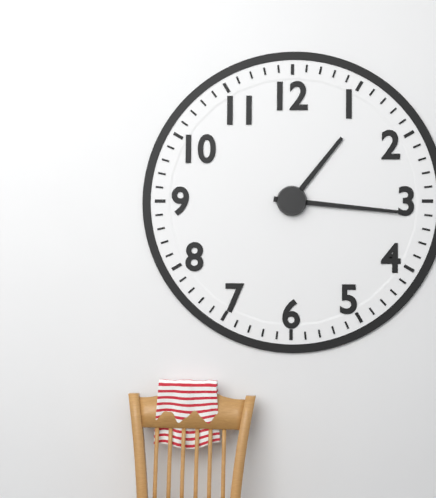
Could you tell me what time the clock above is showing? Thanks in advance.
1:16
